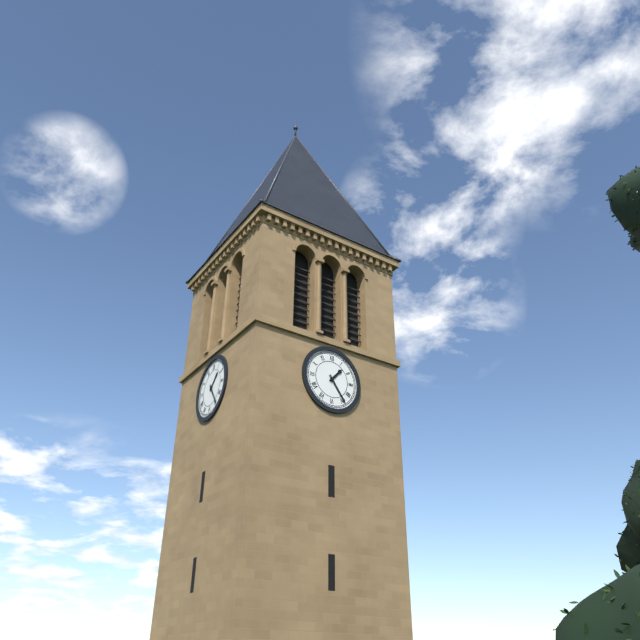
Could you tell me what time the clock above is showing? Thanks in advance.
1:24
